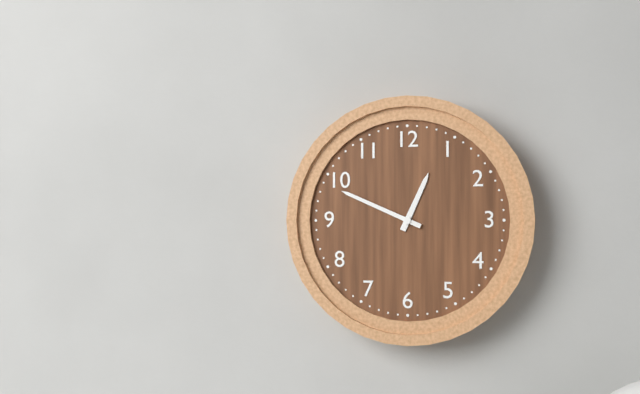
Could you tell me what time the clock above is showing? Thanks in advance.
12:49
